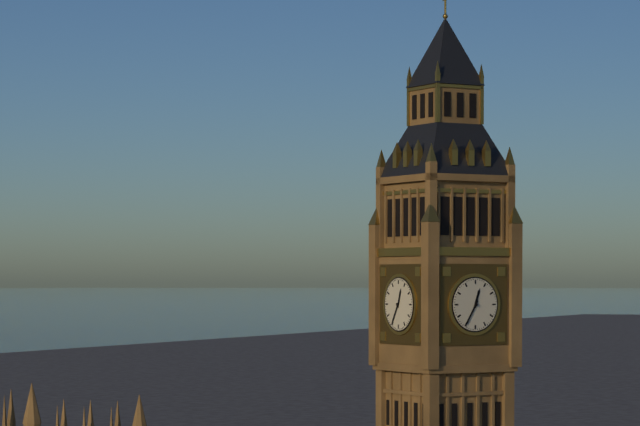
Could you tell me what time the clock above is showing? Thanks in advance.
12:35
